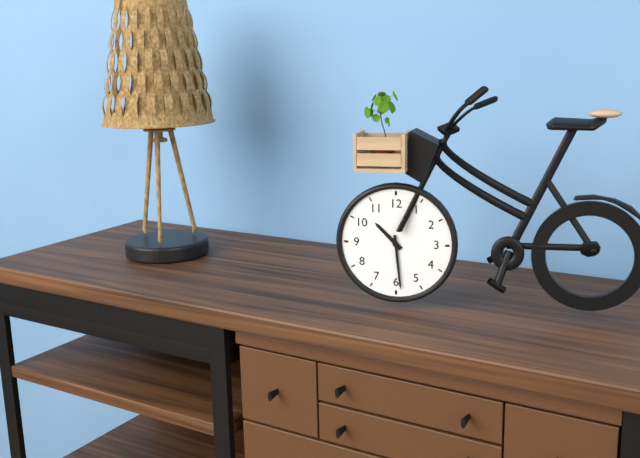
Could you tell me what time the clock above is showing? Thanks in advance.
10:29
